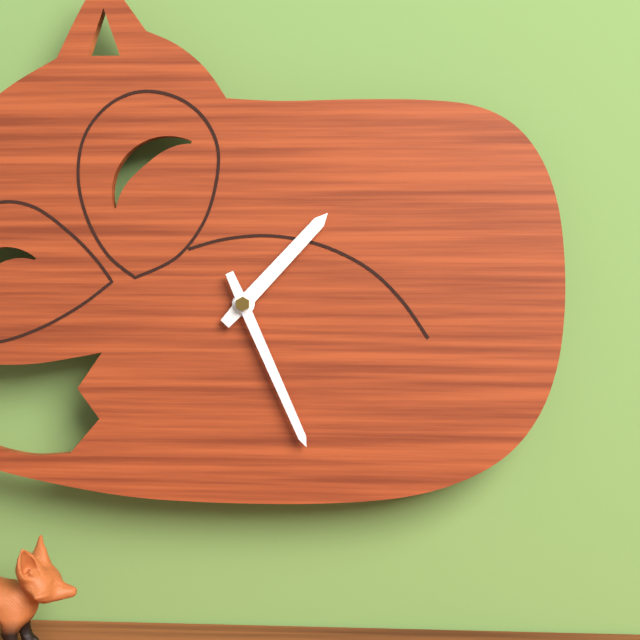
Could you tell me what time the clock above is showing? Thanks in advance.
1:26
